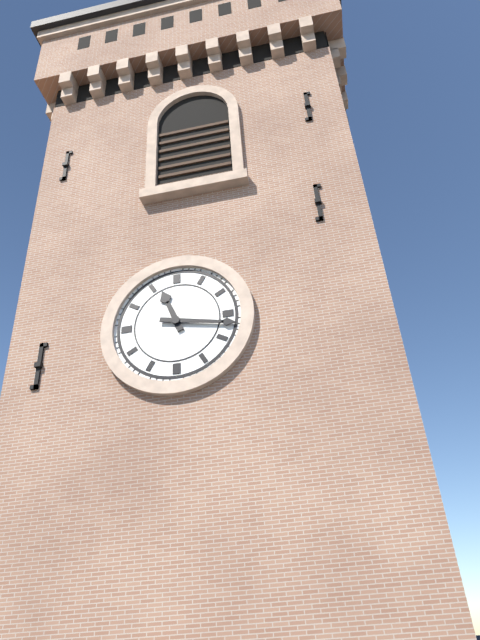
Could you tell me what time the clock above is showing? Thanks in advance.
11:17
